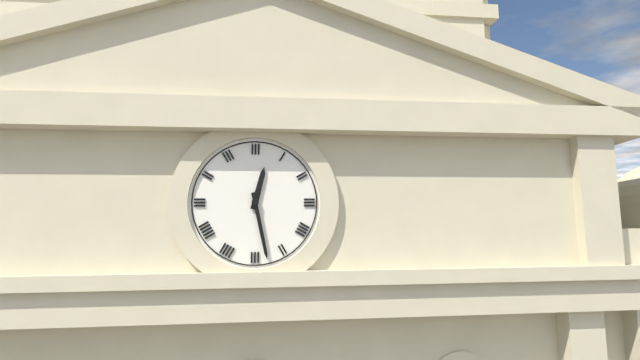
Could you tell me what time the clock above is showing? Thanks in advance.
12:28
